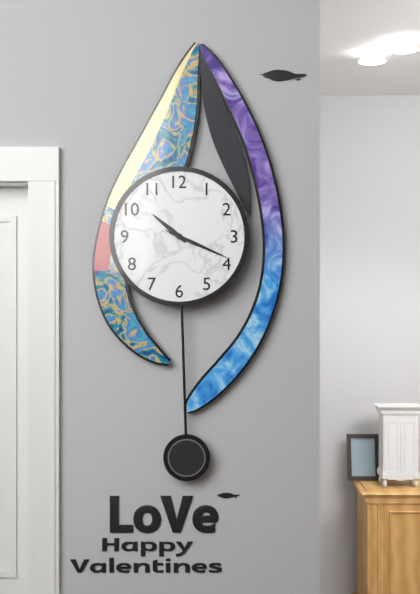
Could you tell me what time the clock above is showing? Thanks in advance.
10:19:19
